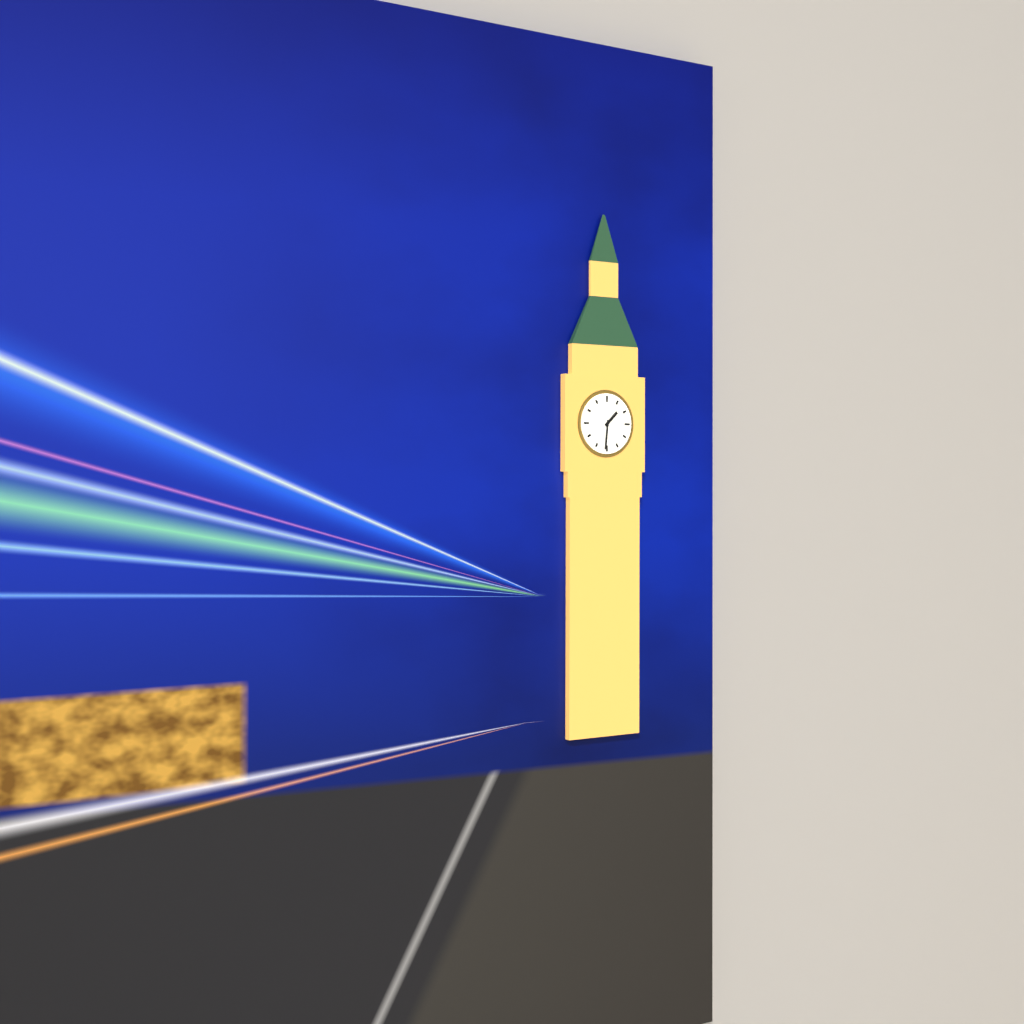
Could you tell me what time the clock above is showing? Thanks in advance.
1:31
